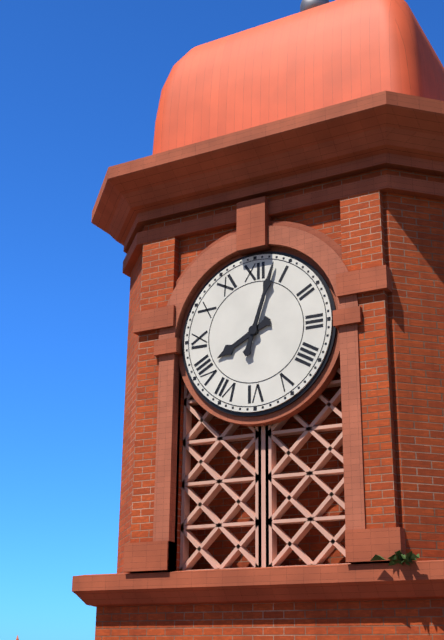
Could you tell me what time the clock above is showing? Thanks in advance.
8:03
